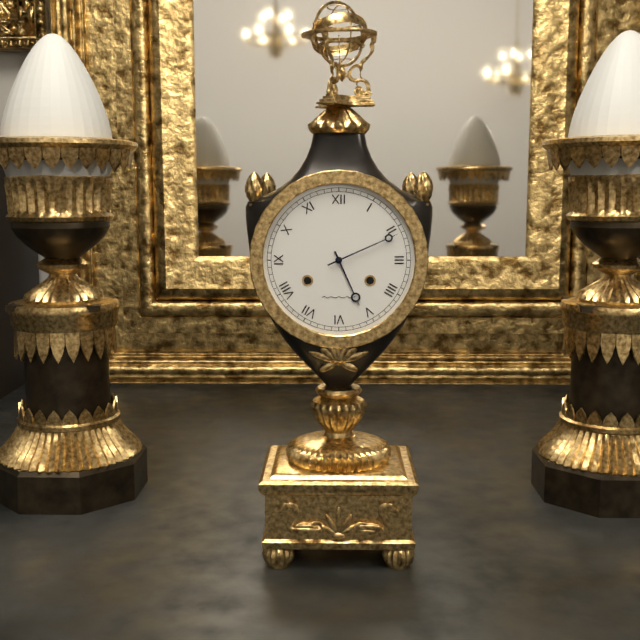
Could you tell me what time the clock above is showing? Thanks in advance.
5:11
